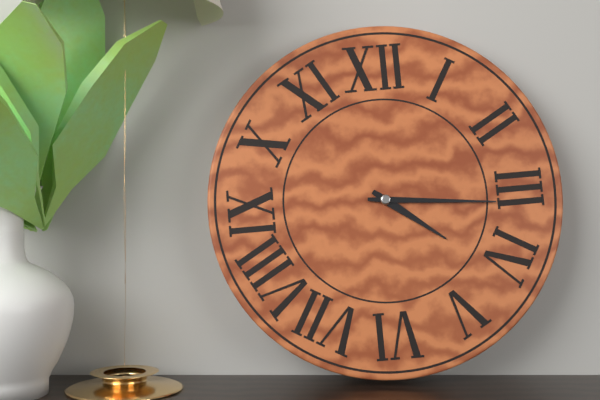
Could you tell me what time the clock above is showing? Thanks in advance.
4:16
